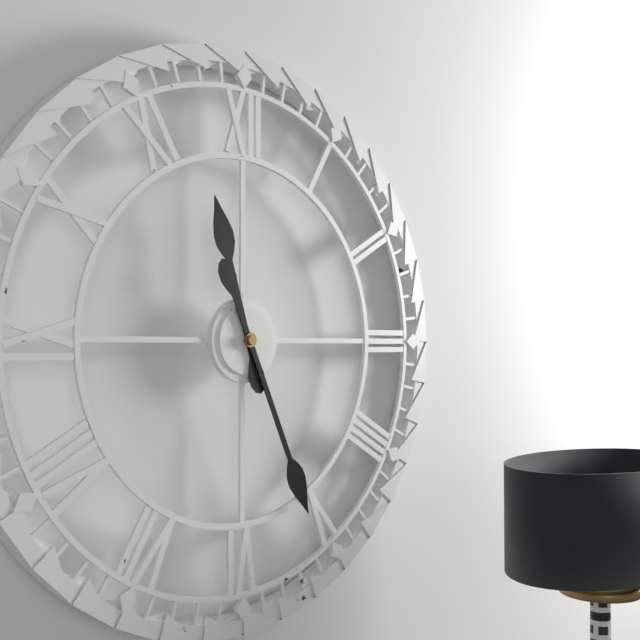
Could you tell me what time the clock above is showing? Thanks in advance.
11:26
